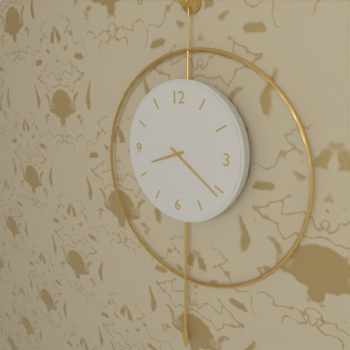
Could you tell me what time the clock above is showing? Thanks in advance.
8:21
